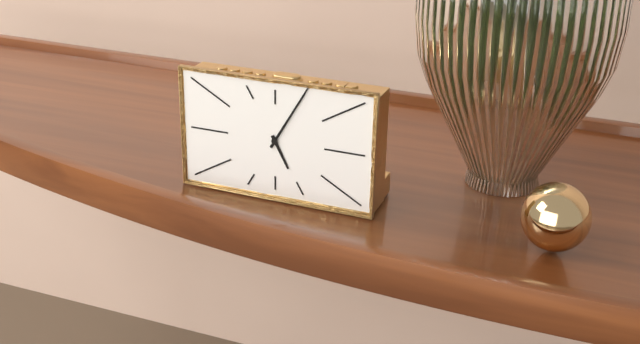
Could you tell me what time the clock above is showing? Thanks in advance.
5:05
